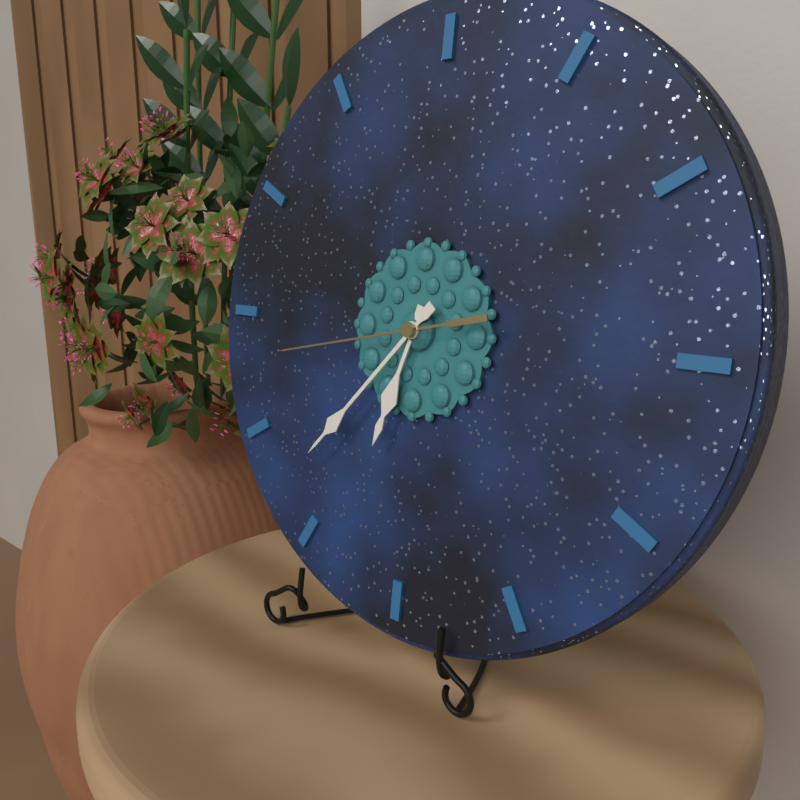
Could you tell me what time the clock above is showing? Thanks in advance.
6:37:43
